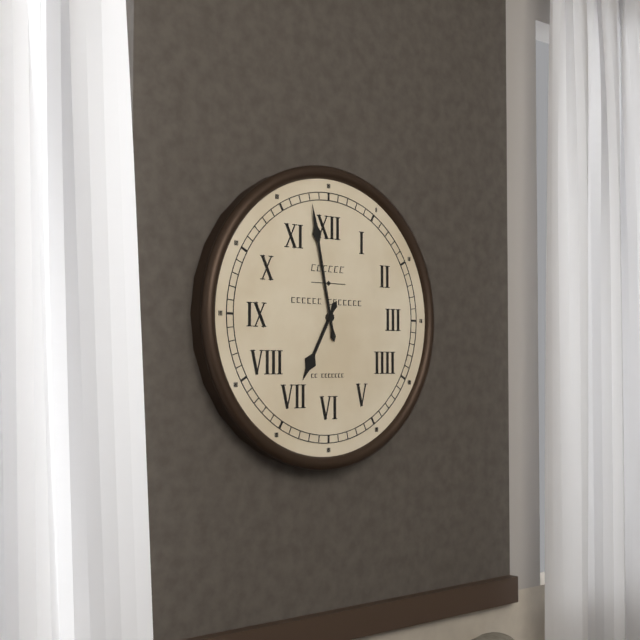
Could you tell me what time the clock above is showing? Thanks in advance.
6:58
